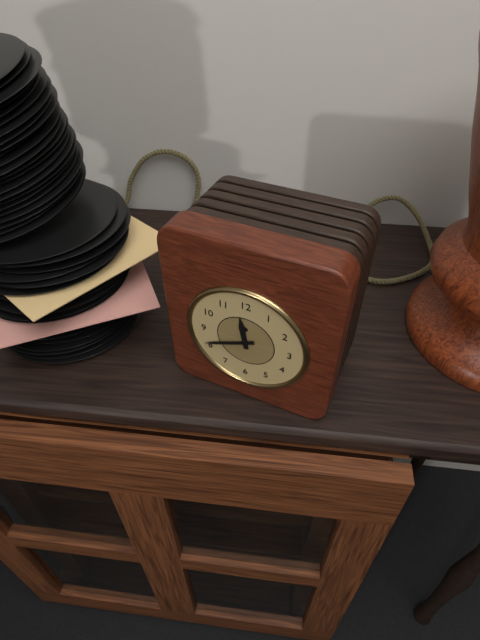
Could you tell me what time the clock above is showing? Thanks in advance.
11:41
